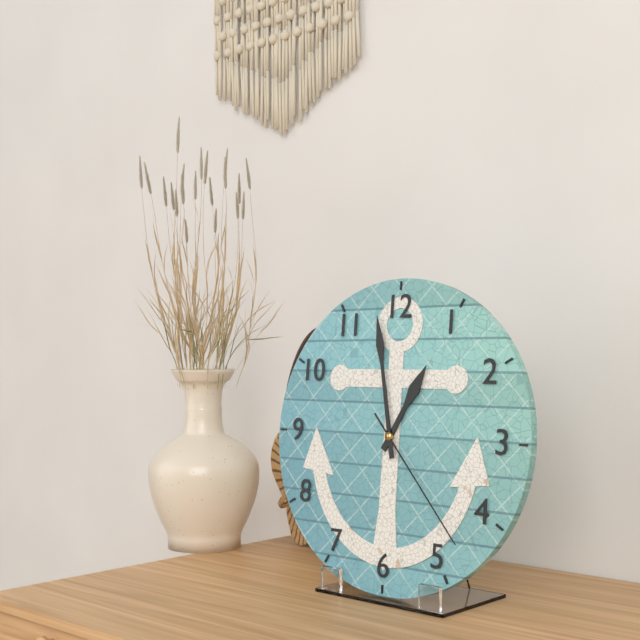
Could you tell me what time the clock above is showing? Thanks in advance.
12:58:23
